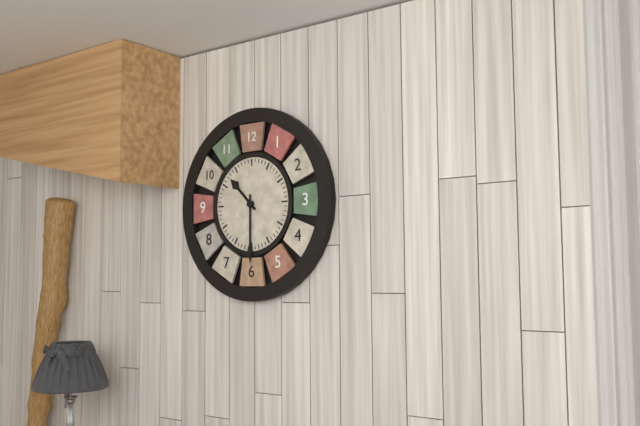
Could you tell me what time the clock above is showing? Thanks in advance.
10:30
